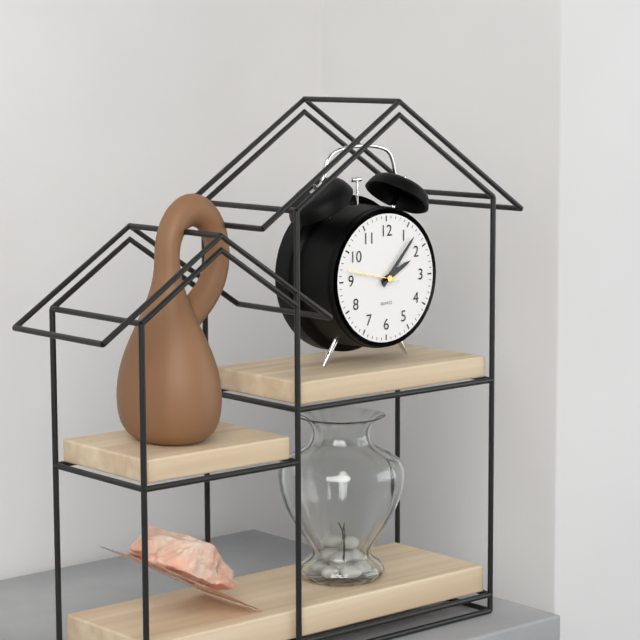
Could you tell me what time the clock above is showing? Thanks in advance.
2:07:47
